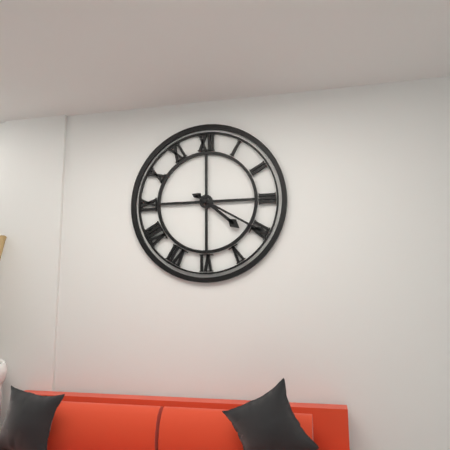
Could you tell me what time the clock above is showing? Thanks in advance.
4:20
